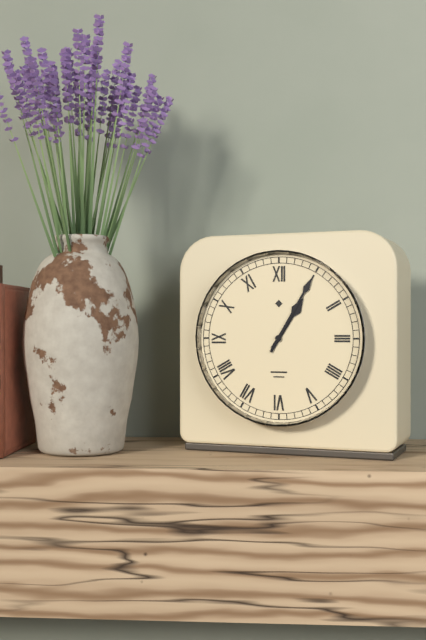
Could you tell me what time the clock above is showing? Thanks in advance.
1:05
